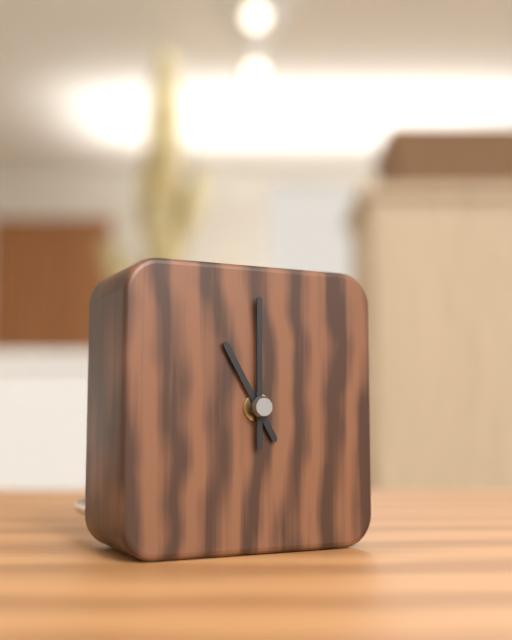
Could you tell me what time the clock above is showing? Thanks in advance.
11:00
